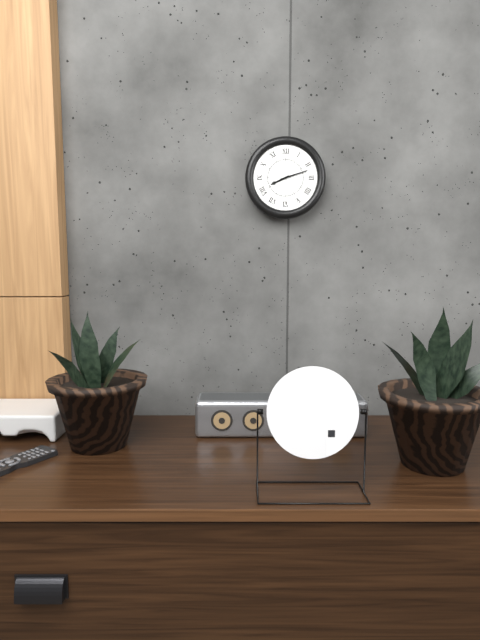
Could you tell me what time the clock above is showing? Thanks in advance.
8:12
